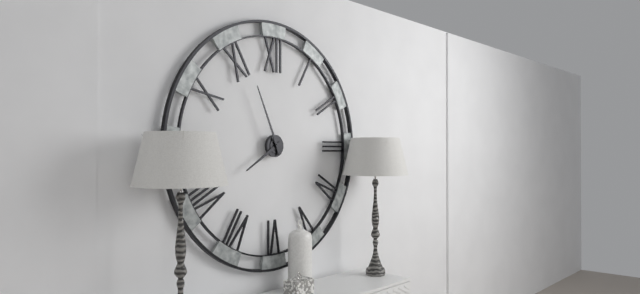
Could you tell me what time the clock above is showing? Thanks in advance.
7:56
